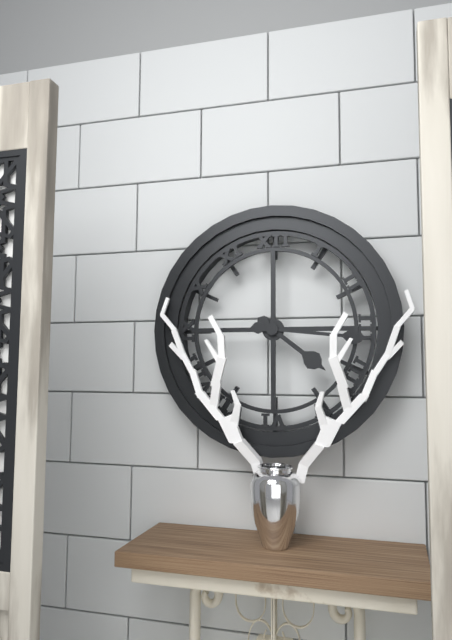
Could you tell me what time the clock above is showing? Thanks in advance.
4:16
